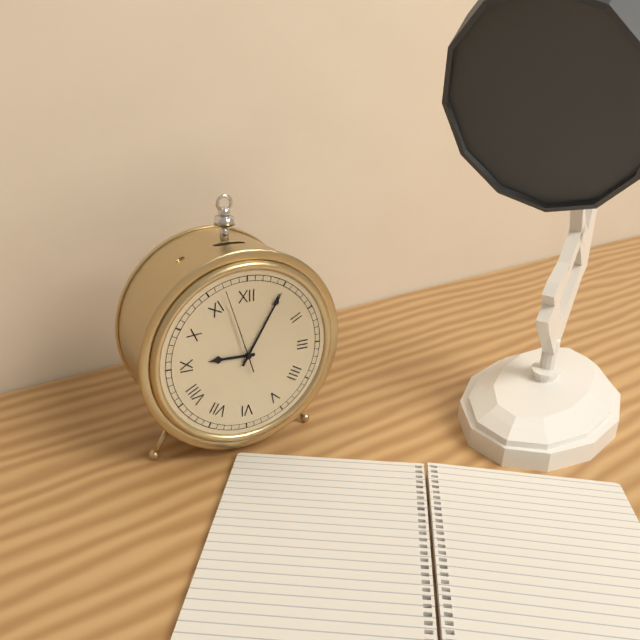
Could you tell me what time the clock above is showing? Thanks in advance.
9:05:57
